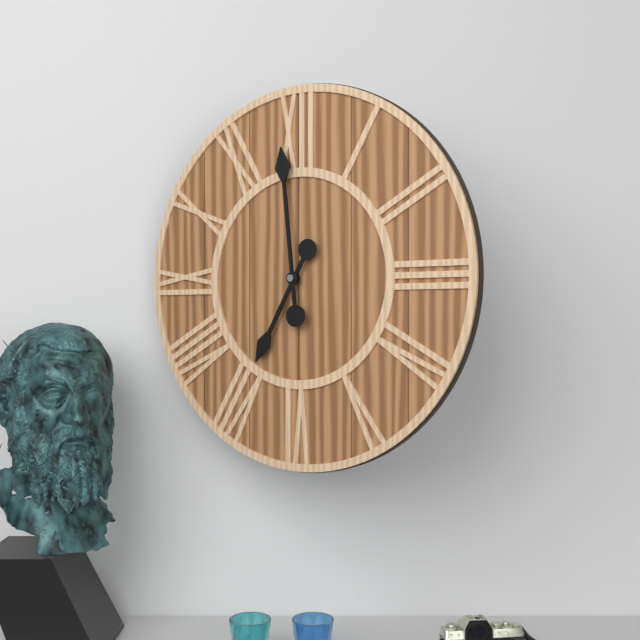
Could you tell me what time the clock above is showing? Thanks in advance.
6:59
